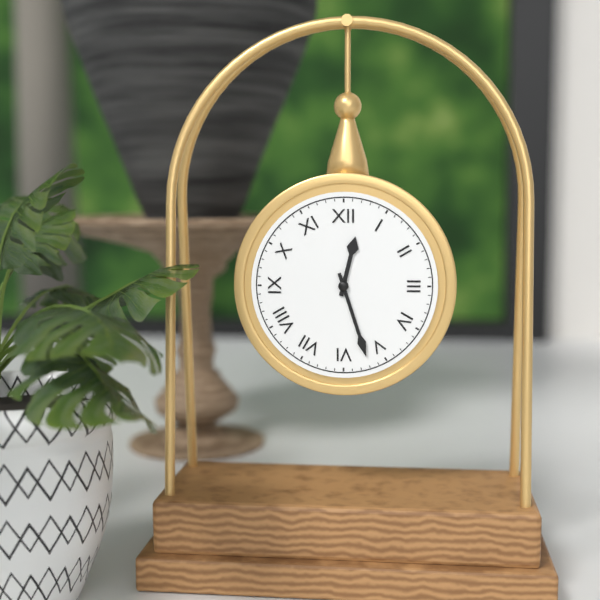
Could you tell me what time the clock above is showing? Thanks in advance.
12:27
